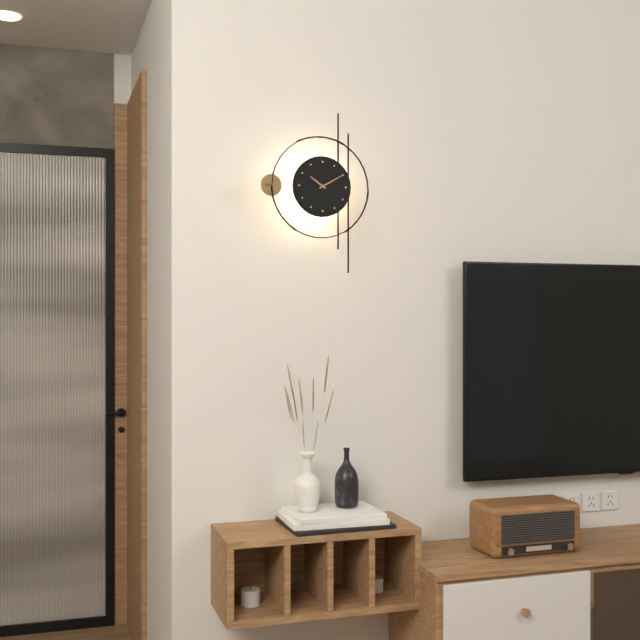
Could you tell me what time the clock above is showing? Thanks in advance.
10:10
